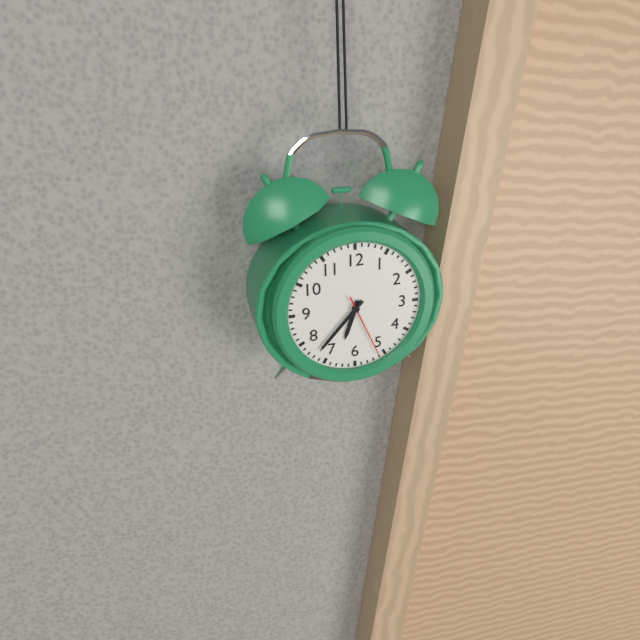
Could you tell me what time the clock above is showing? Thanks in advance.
6:37:26
